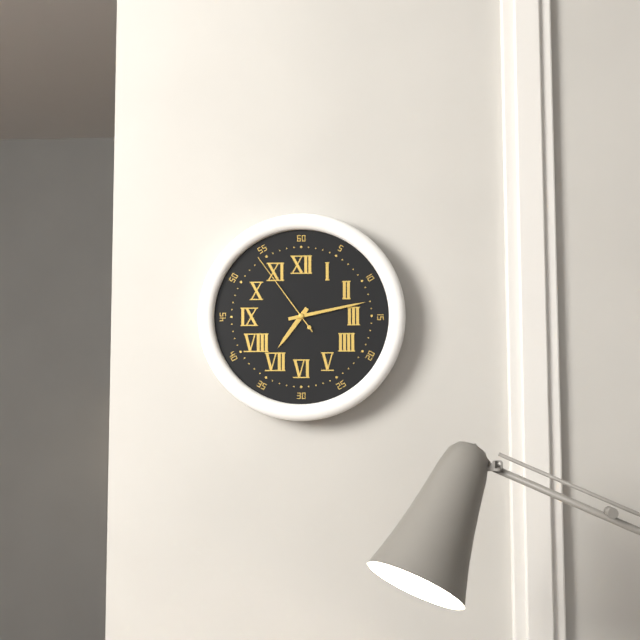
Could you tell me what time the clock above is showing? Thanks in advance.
7:13:54
